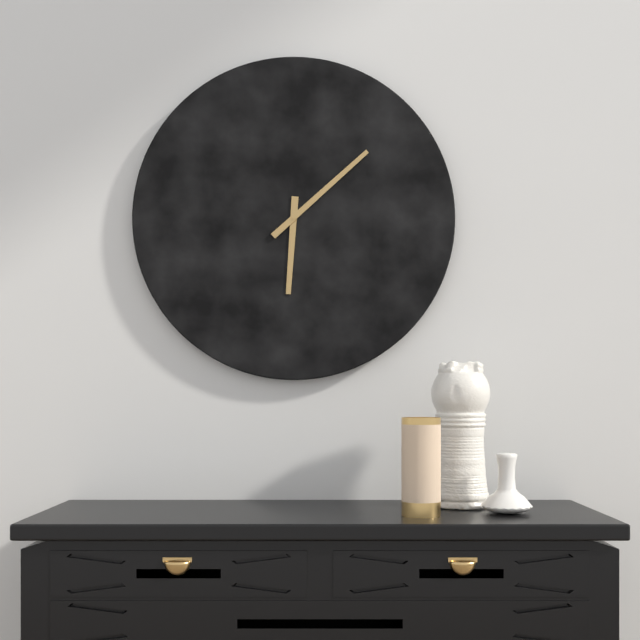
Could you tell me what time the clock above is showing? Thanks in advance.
6:08
